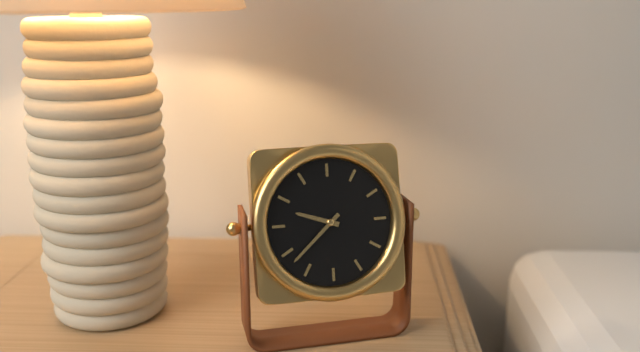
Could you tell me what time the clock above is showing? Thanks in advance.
9:38
